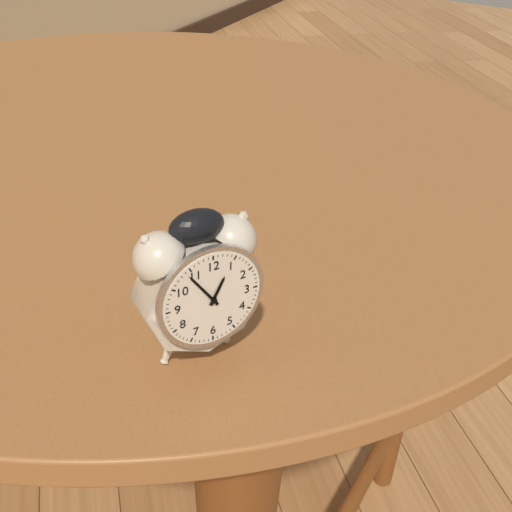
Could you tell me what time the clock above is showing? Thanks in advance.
12:54
